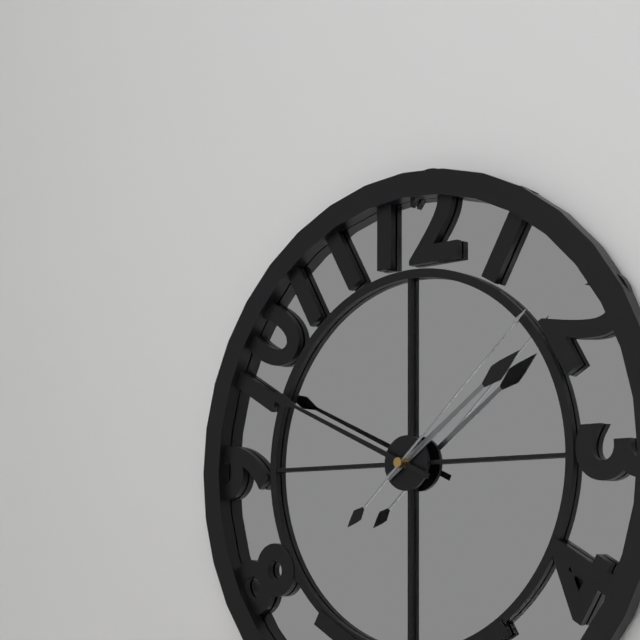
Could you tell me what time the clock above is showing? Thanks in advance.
1:49:08
